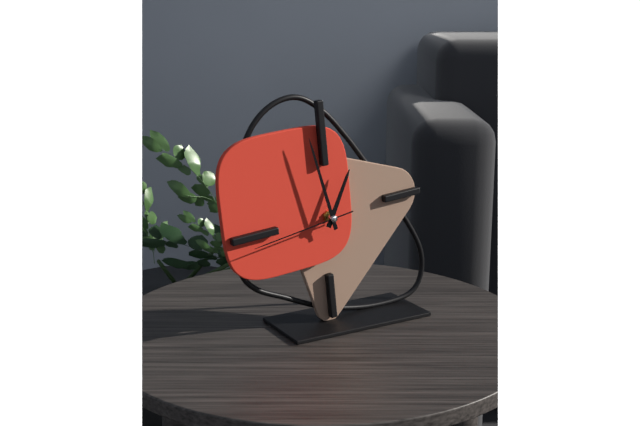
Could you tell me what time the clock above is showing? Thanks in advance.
12:58:44
